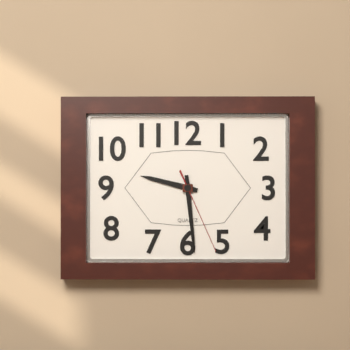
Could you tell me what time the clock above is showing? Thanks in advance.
9:29:26
